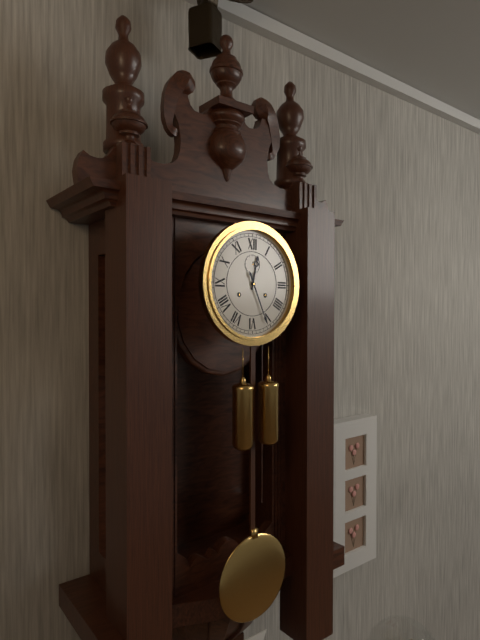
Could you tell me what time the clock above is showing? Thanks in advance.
12:26
